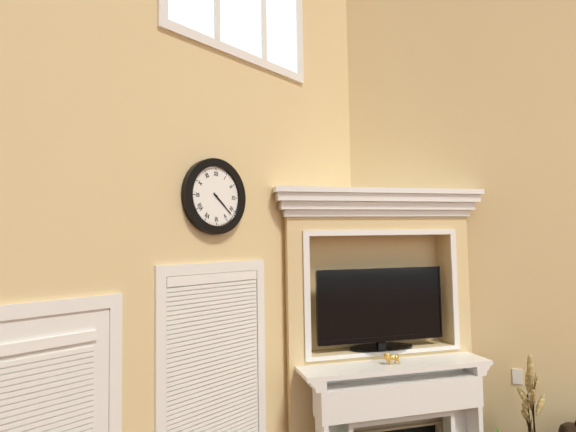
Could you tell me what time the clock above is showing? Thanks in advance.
4:22
